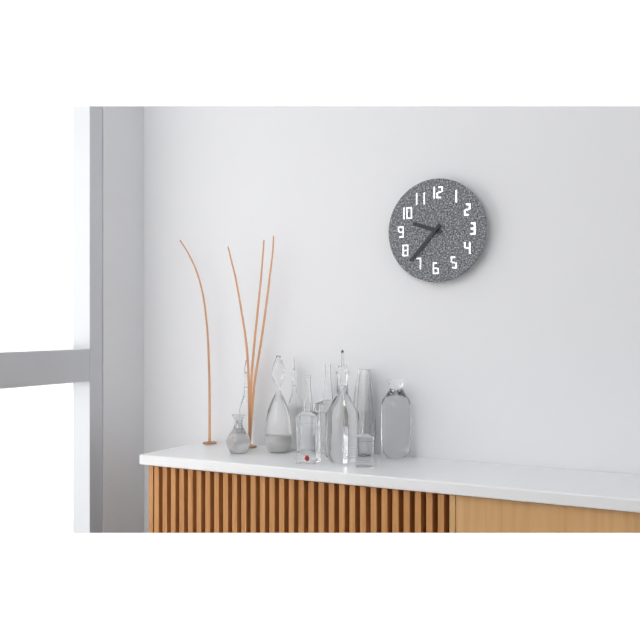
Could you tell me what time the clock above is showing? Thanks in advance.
9:37
